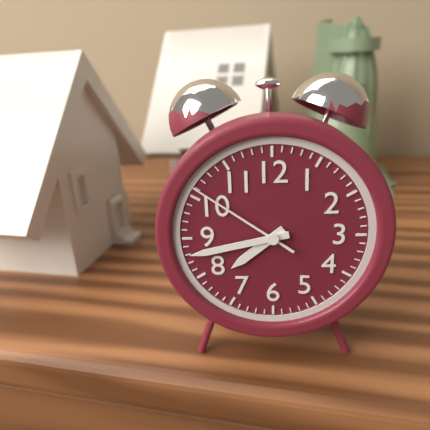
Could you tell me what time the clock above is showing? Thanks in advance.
7:43:51
